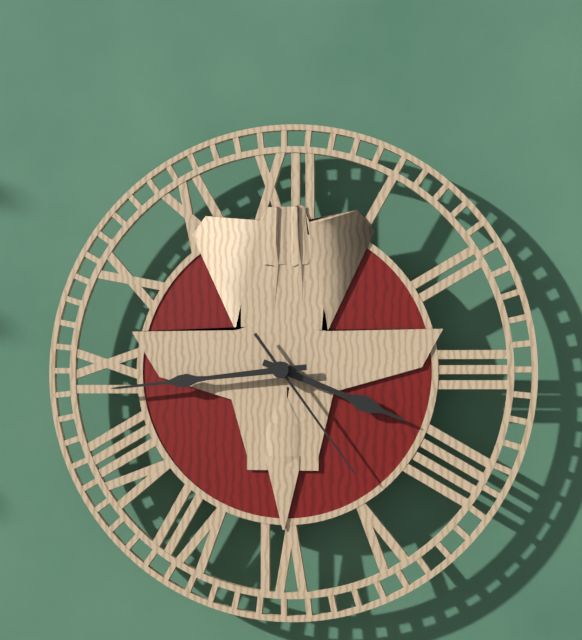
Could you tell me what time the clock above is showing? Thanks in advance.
3:44:24
